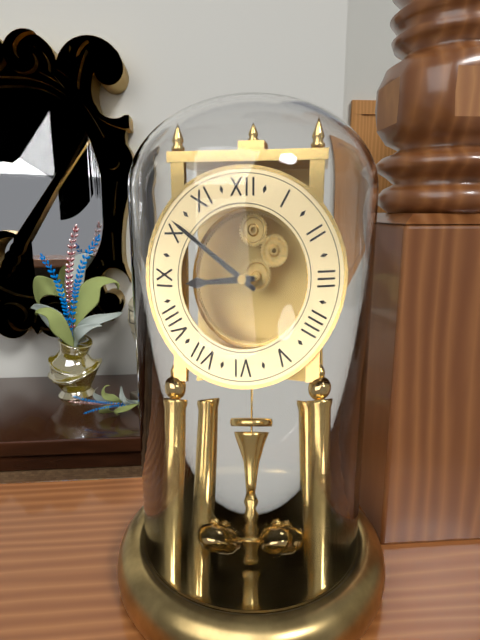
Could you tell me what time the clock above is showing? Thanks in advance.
8:51
